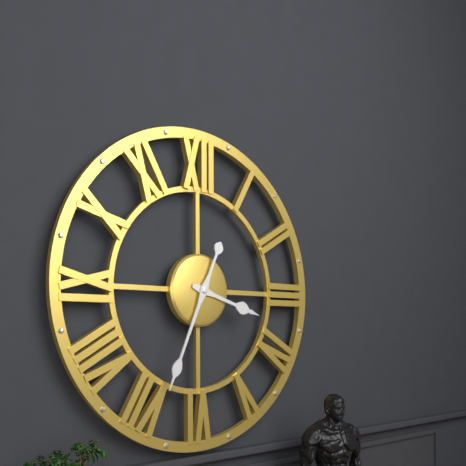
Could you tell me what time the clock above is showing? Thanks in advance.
3:34
